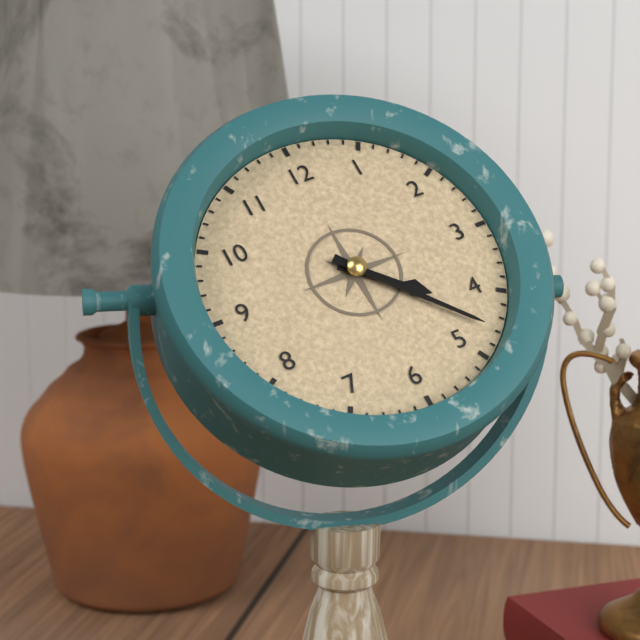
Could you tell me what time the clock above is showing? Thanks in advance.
4:23
